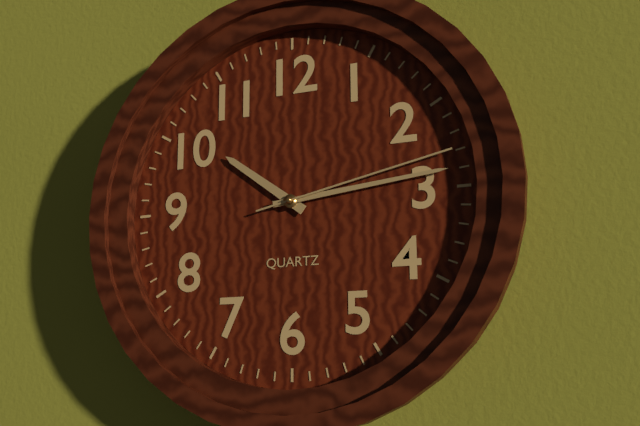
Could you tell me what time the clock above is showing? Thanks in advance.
10:14:13
